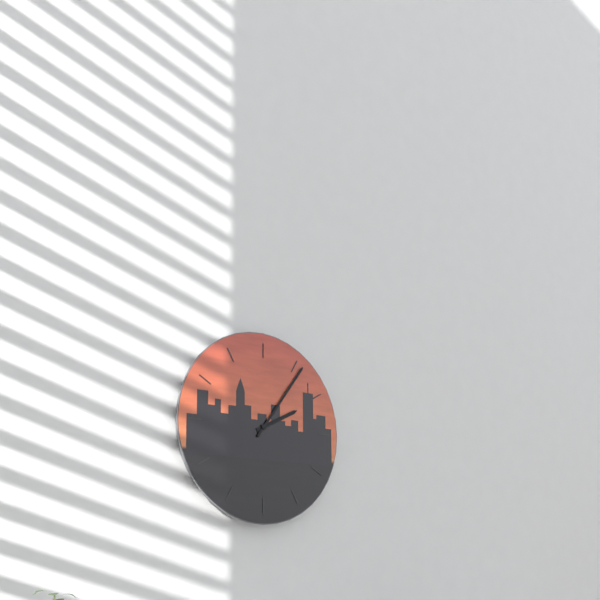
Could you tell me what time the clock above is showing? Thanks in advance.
2:06
